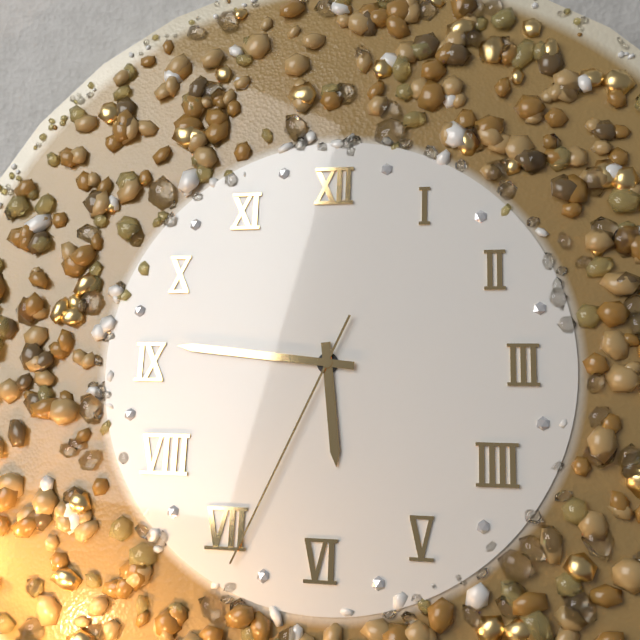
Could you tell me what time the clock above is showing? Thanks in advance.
5:46:34
